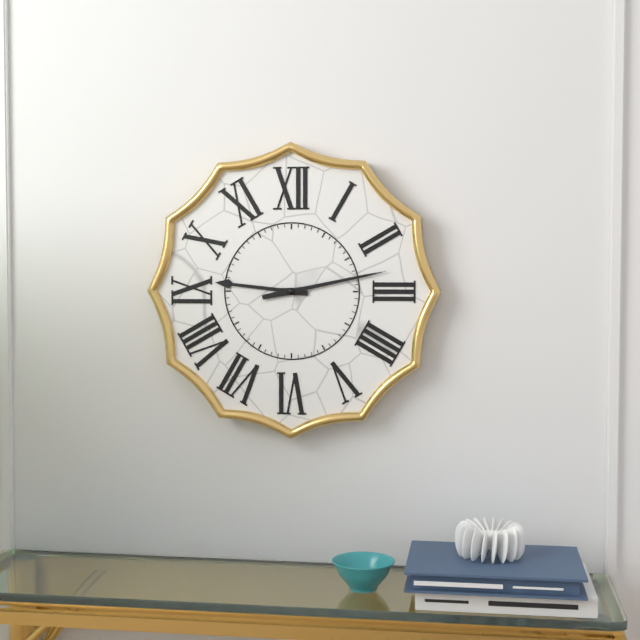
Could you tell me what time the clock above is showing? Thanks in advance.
9:13
